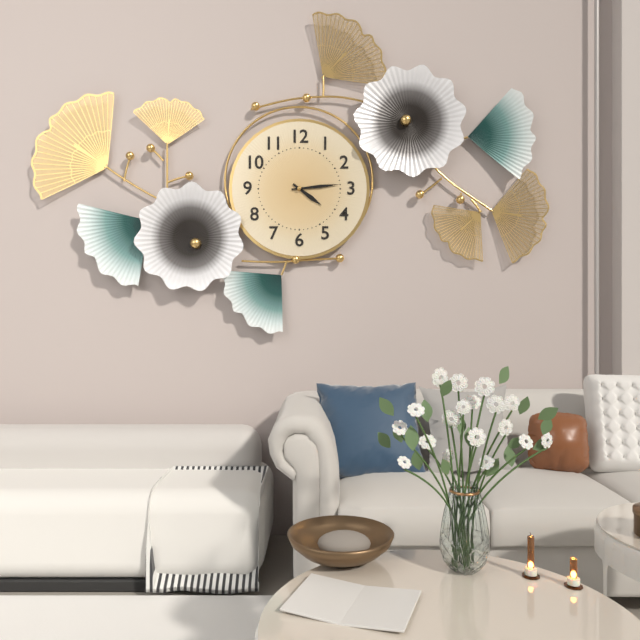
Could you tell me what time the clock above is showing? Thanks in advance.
4:14
